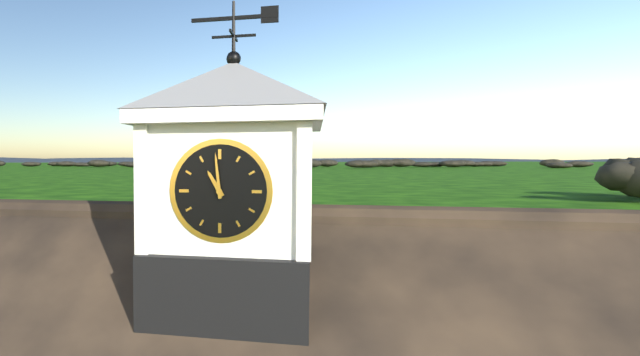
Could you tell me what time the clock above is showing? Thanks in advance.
10:59
